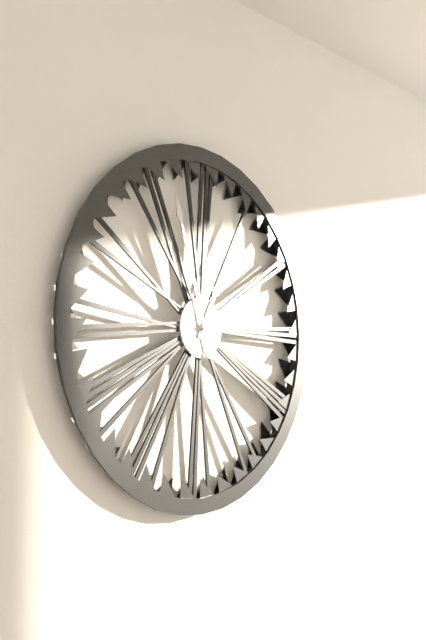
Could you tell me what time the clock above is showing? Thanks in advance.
12:57
